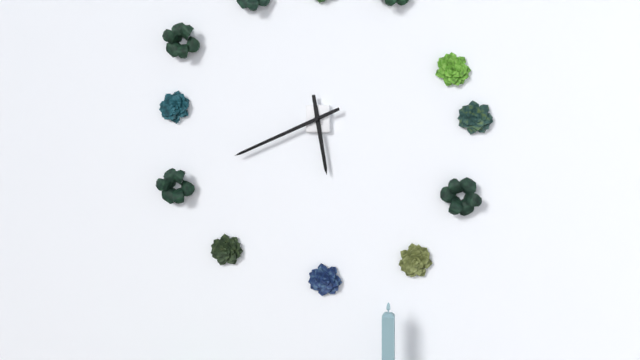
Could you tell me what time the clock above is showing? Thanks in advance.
5:41
